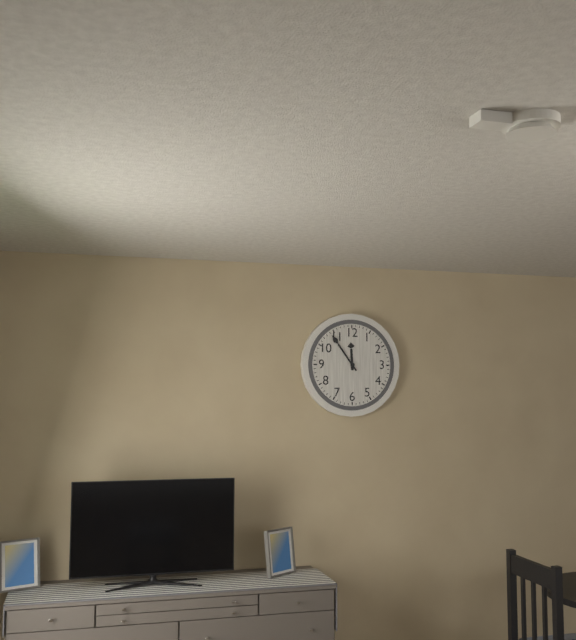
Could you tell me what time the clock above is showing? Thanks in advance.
11:54
